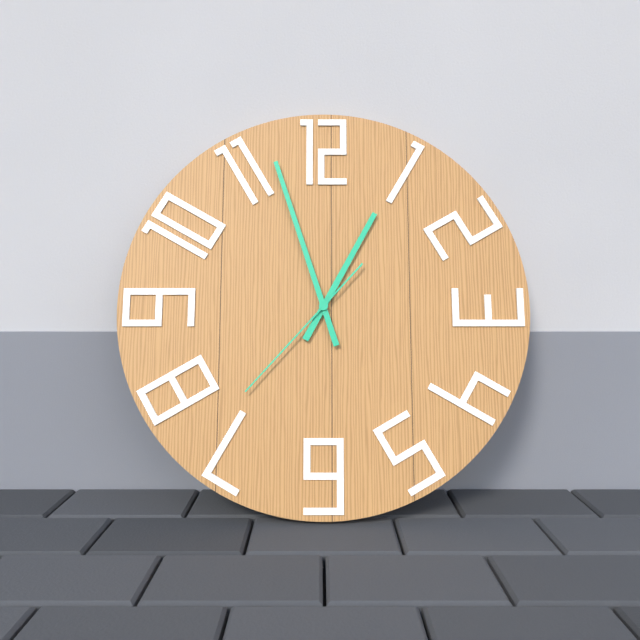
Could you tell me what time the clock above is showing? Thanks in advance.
12:57:37
